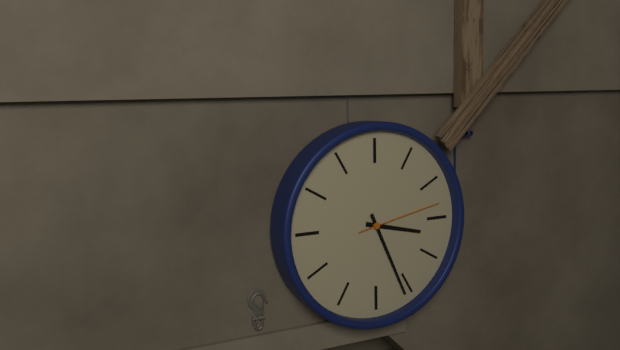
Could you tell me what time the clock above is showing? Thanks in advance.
3:26:13
